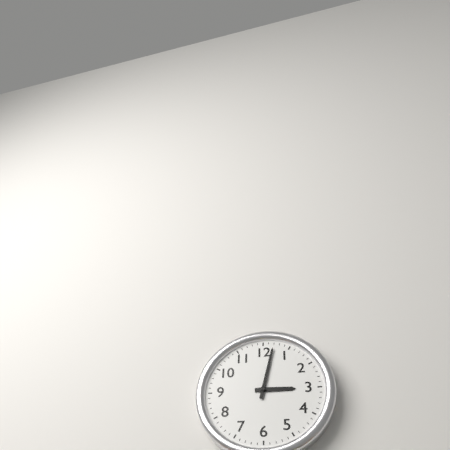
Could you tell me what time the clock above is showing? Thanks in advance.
3:02
